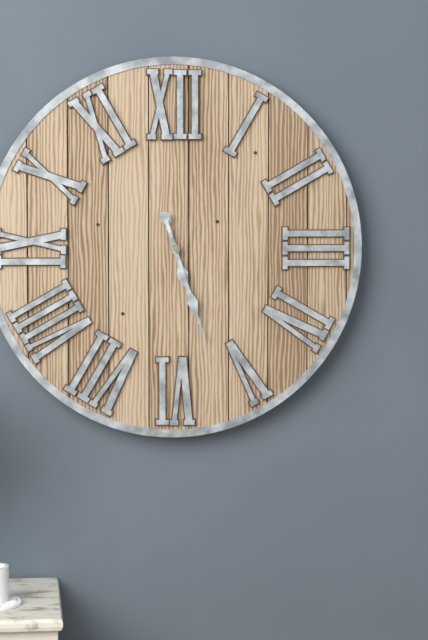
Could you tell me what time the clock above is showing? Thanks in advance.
5:27
